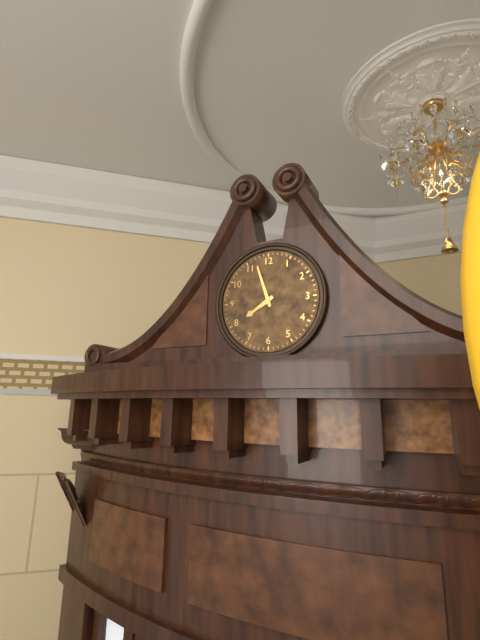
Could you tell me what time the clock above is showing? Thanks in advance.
7:57
